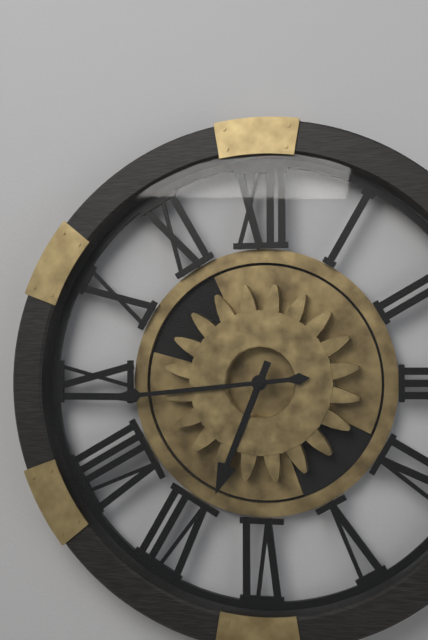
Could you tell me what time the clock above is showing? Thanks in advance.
6:44
